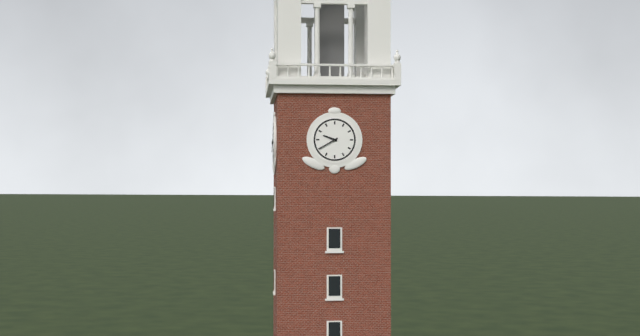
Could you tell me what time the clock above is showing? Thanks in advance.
9:40
